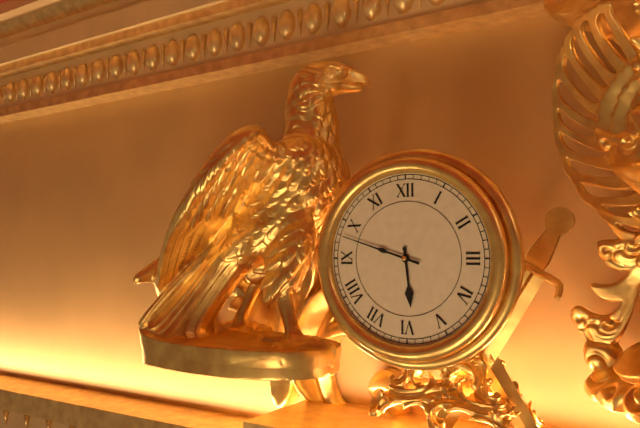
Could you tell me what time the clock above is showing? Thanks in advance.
5:48
